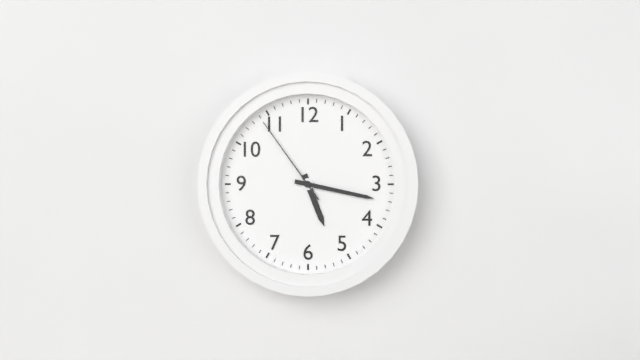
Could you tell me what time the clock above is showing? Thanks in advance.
5:17:54
